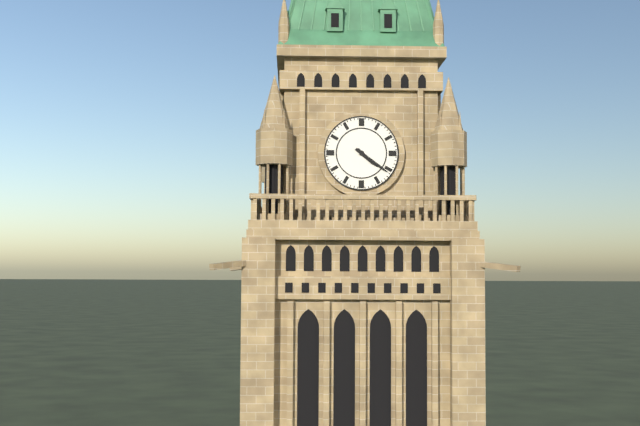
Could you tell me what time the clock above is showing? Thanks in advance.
4:21
